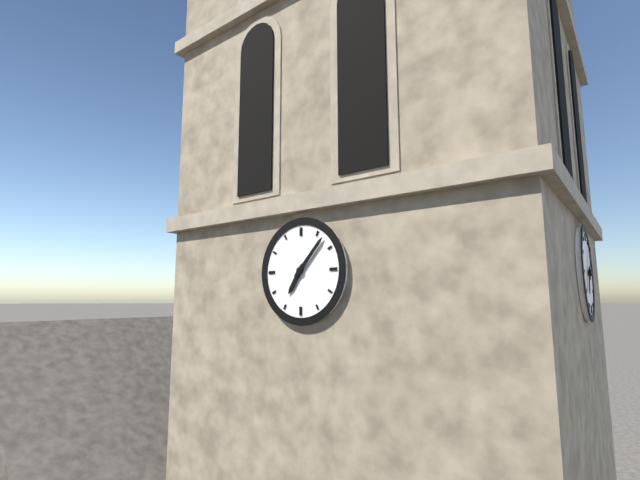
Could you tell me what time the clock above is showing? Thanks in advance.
7:07
